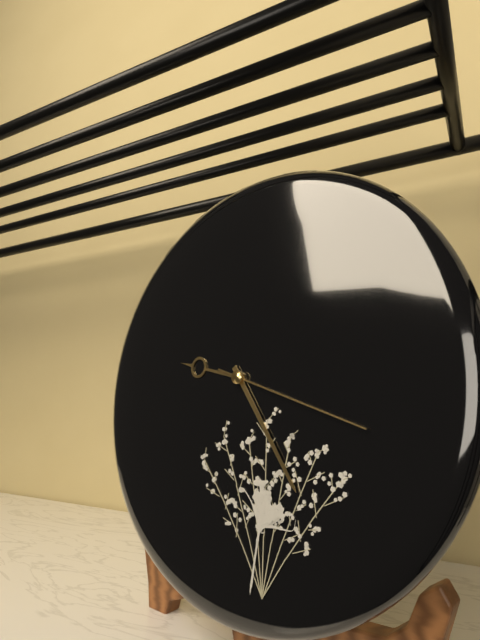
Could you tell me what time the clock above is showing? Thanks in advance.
9:24:18
